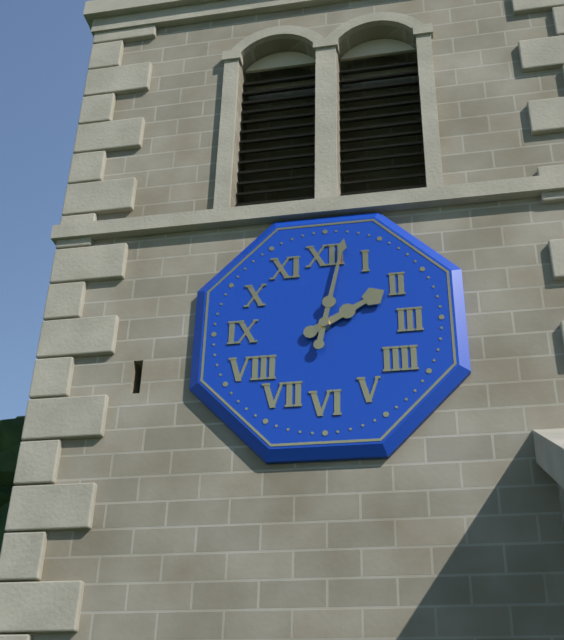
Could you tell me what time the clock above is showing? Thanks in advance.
2:02
